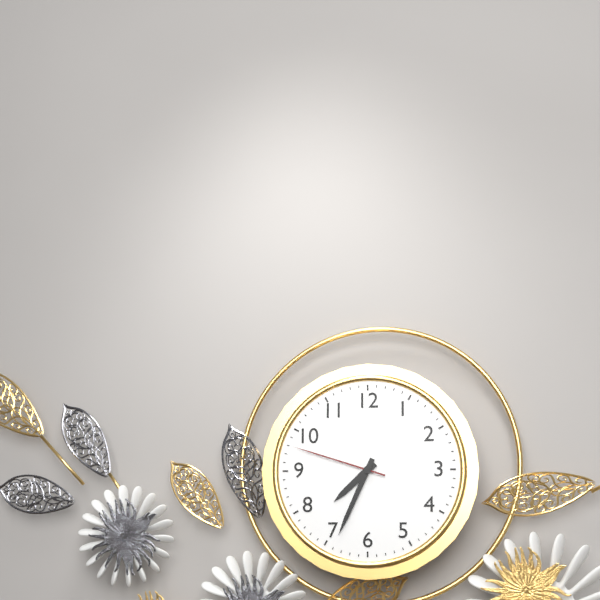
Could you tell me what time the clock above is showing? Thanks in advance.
7:34:48
